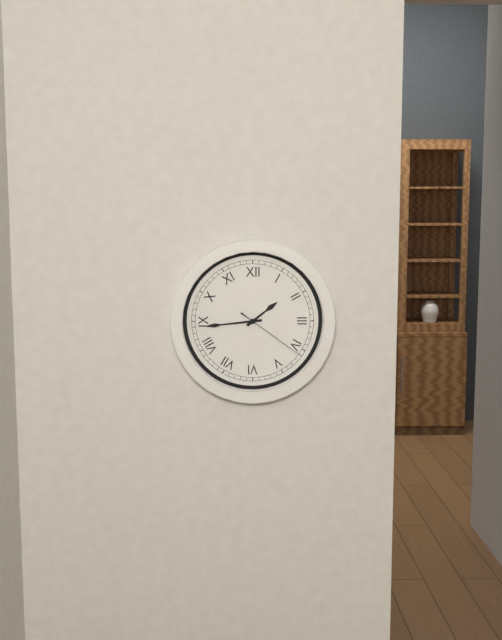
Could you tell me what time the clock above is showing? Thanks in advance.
1:44:21
